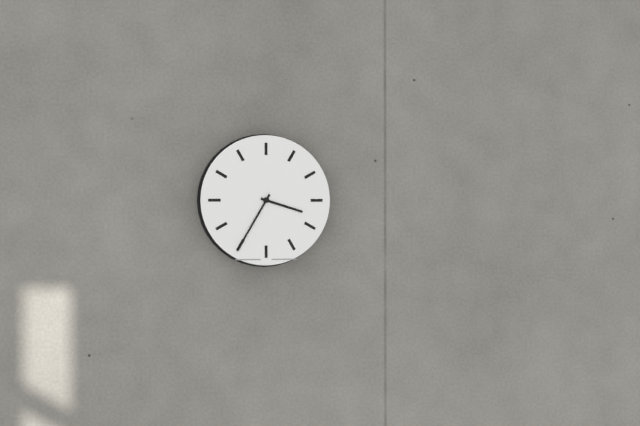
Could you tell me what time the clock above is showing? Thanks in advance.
3:35
